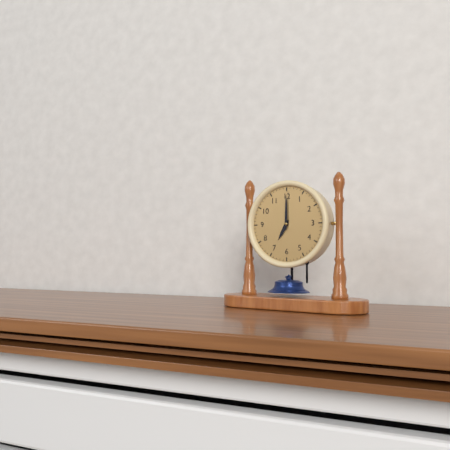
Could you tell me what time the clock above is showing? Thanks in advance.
7:00
